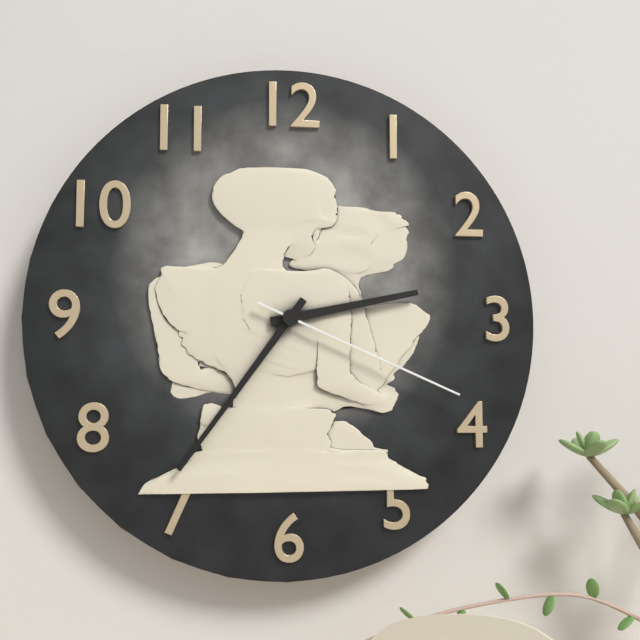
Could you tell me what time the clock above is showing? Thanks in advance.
2:36:19
